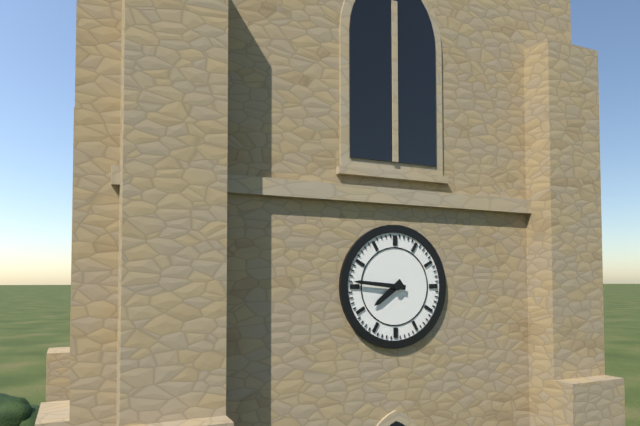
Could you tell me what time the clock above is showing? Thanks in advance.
7:46
